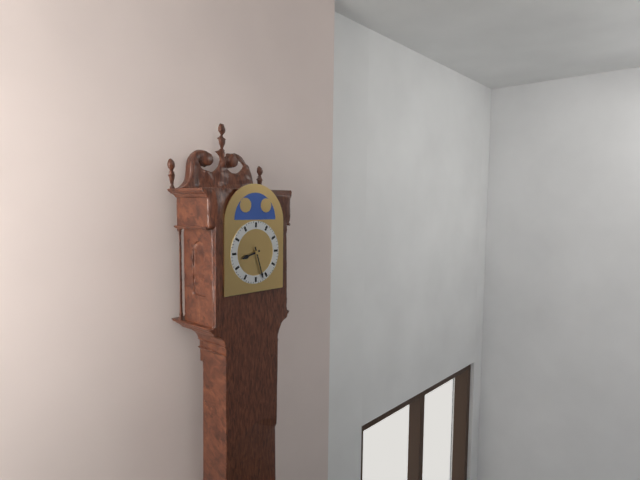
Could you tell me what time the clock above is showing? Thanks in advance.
8:27
